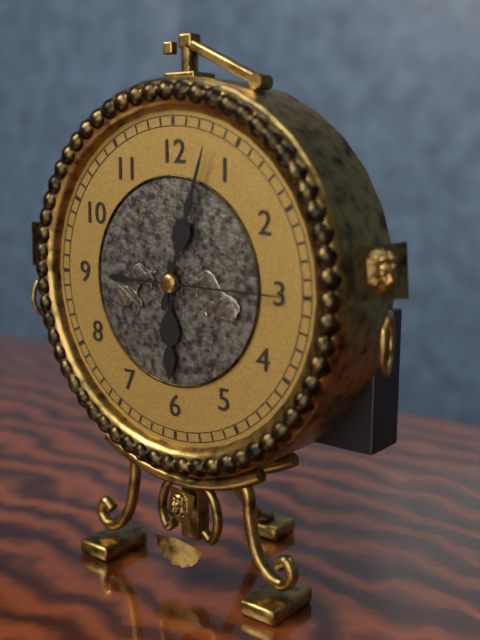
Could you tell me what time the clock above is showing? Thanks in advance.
6:03:15
